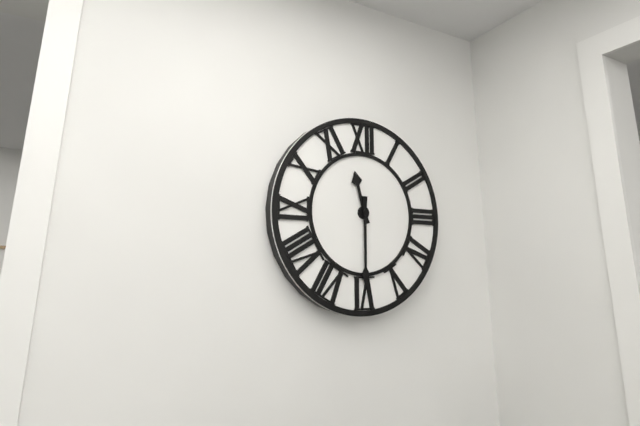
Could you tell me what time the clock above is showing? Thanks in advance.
11:30
